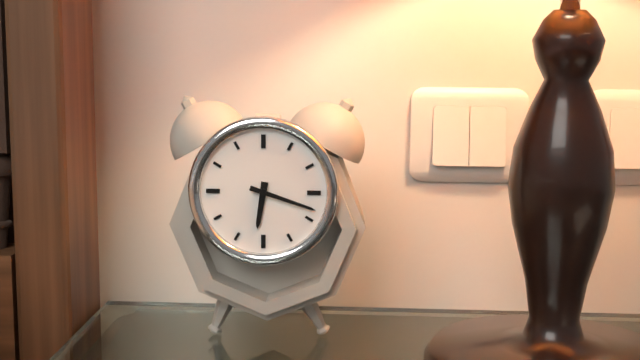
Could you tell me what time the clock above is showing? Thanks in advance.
6:18
